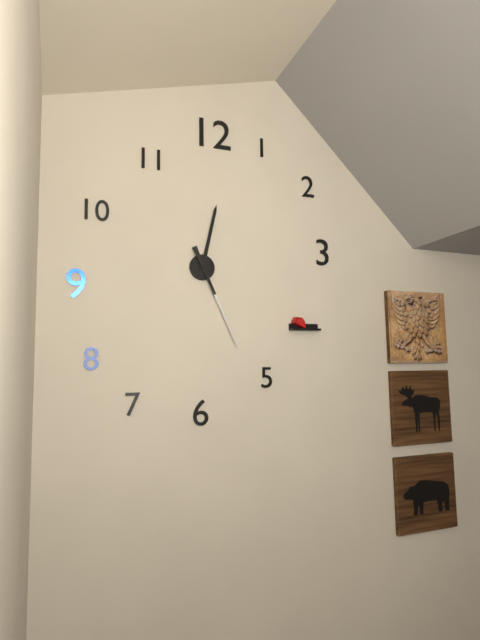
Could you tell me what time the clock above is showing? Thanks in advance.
12:26
